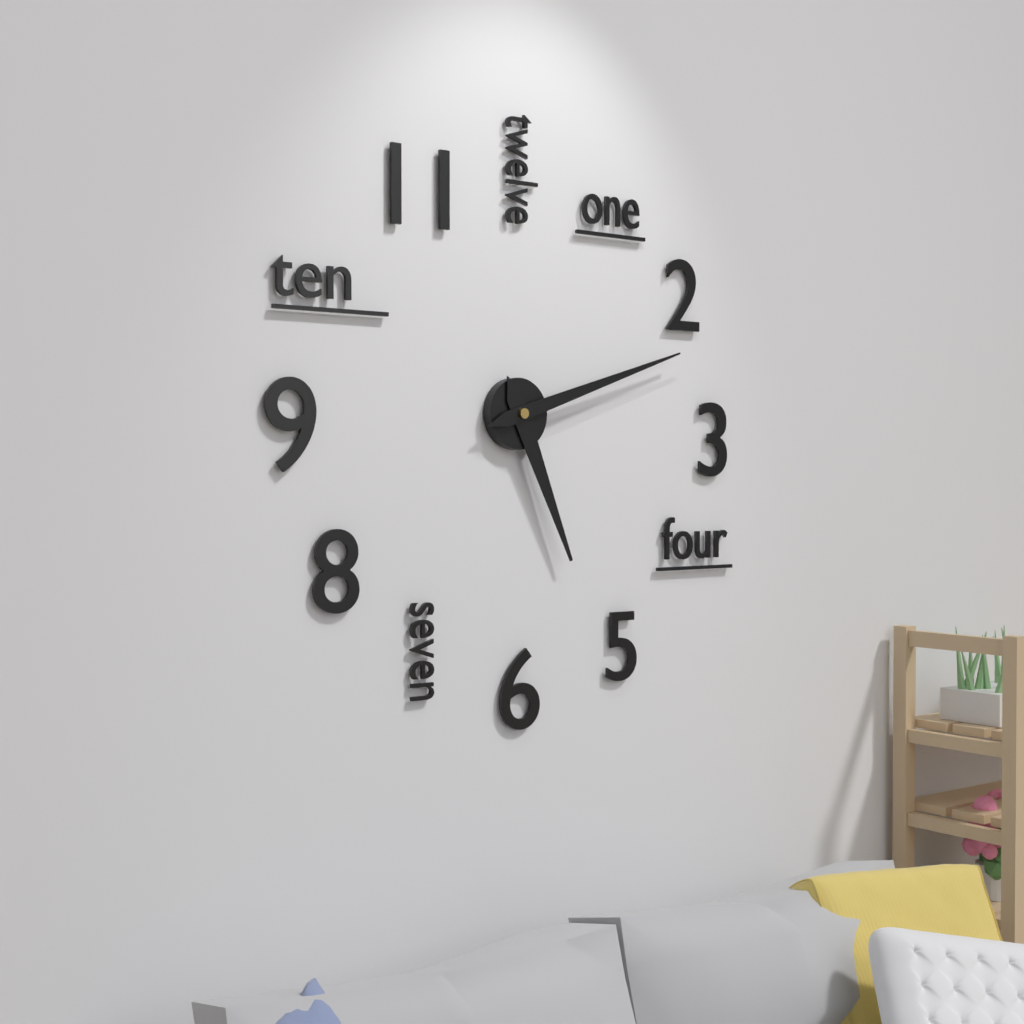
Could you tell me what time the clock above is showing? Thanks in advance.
5:12
